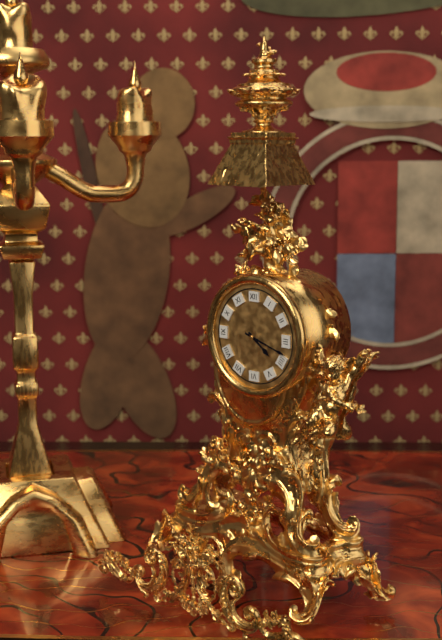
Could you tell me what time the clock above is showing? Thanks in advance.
4:18
